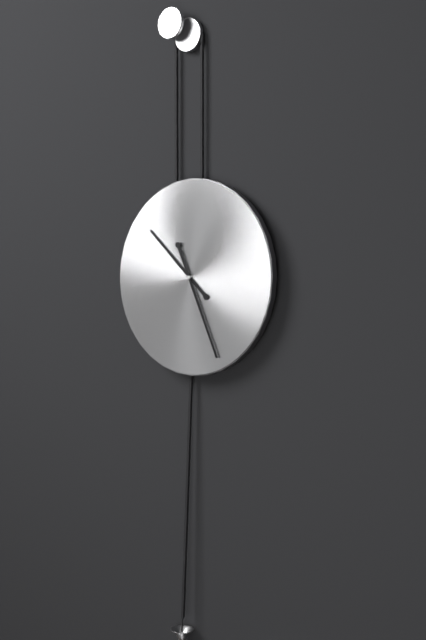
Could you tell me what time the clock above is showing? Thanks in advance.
10:26
